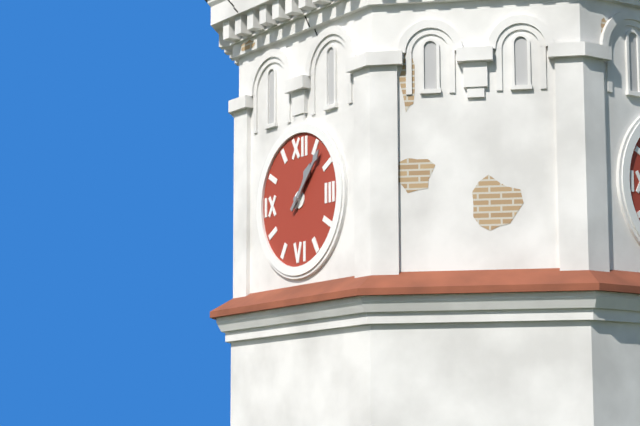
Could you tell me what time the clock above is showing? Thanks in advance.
1:07
